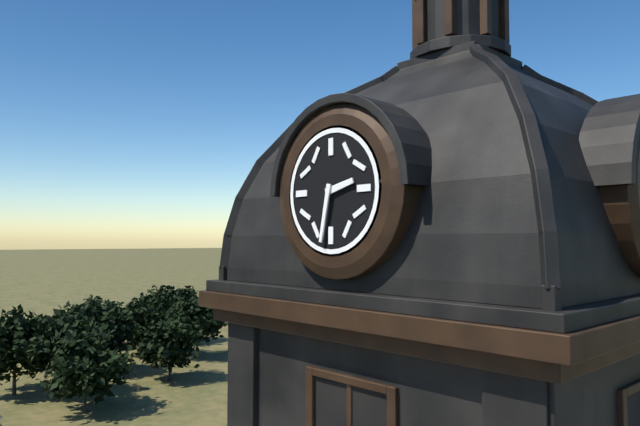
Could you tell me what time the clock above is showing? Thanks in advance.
2:32
